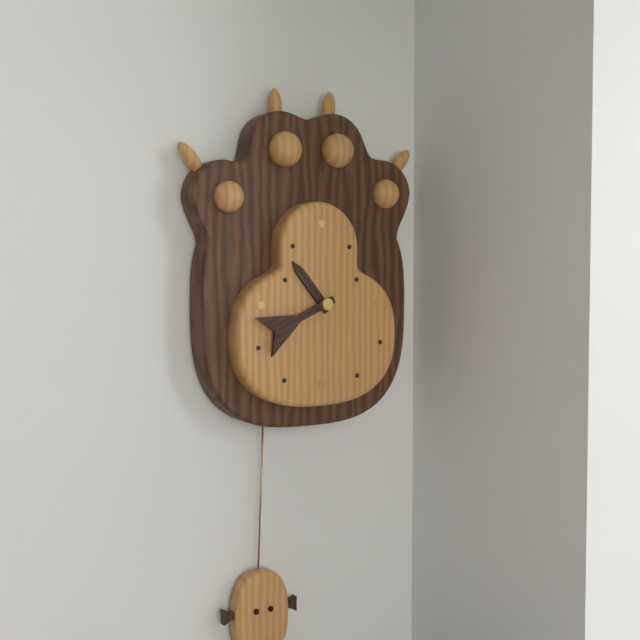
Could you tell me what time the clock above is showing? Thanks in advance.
10:41
